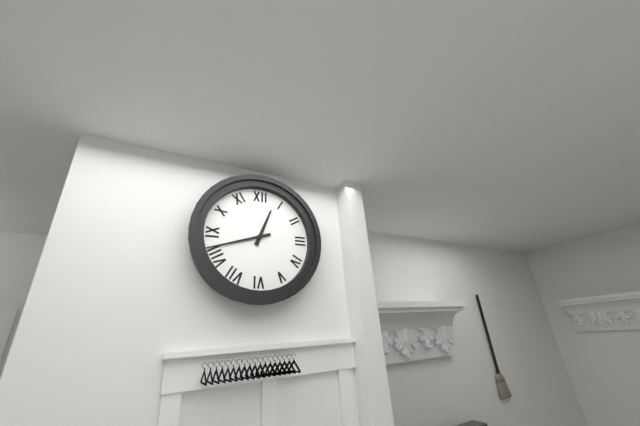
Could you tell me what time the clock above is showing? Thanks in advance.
12:42
